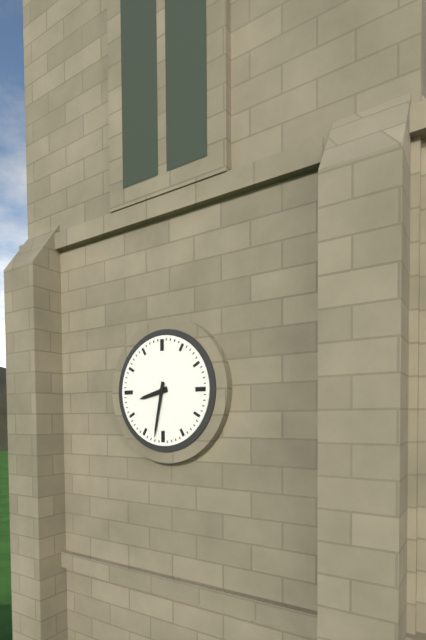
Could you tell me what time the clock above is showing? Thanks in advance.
8:32
